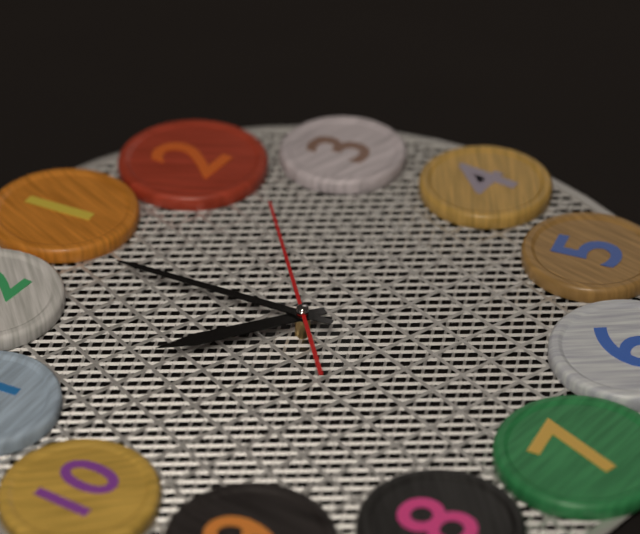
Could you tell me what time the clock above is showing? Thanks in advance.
11:03:12
